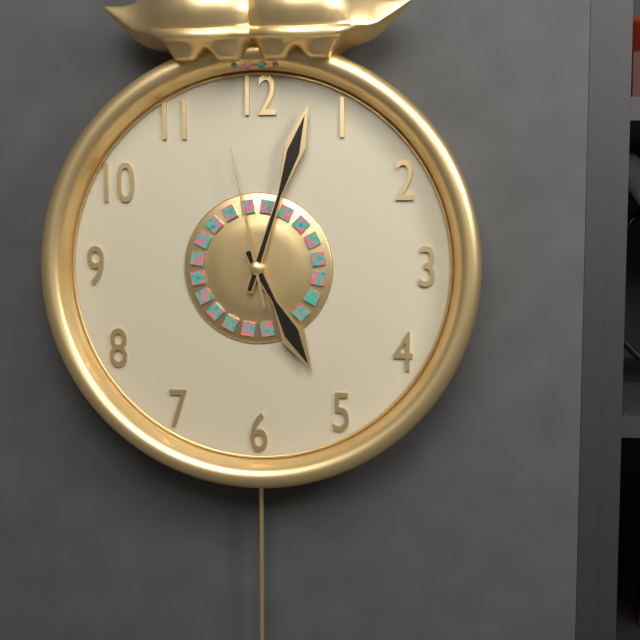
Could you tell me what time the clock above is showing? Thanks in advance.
5:03:58
